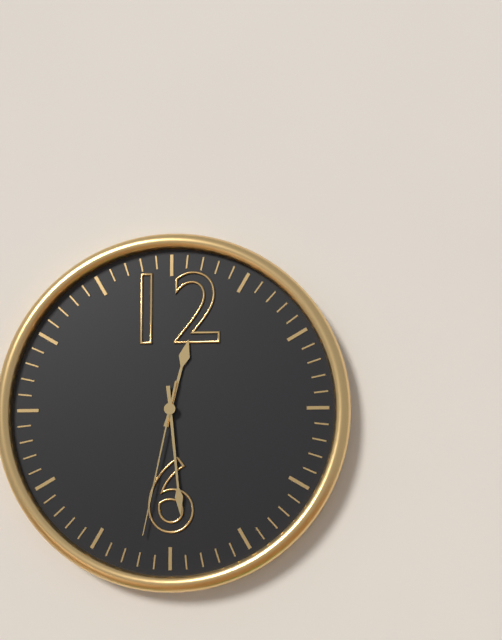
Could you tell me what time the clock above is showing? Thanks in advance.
12:29:32
